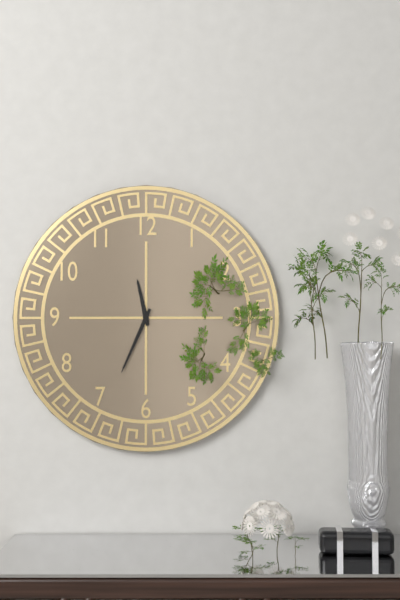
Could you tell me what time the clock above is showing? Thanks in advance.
11:34
